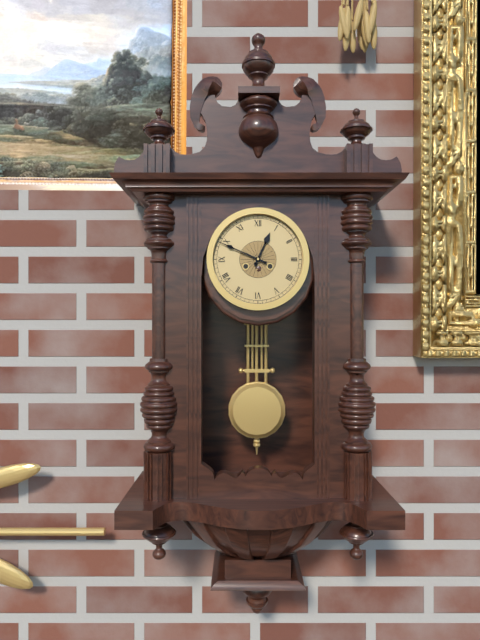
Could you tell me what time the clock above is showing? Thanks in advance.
12:49
